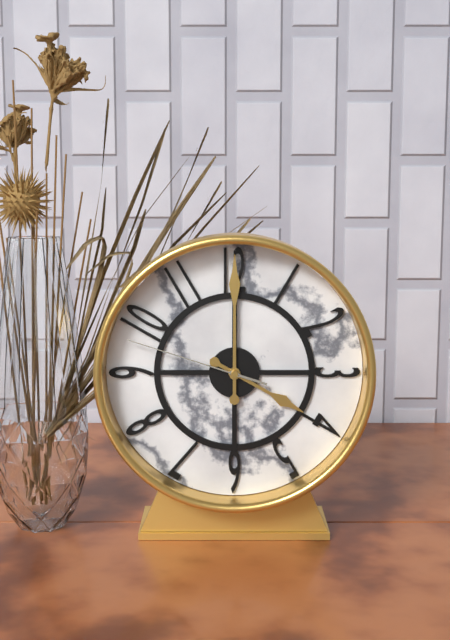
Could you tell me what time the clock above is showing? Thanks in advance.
4:00:48
